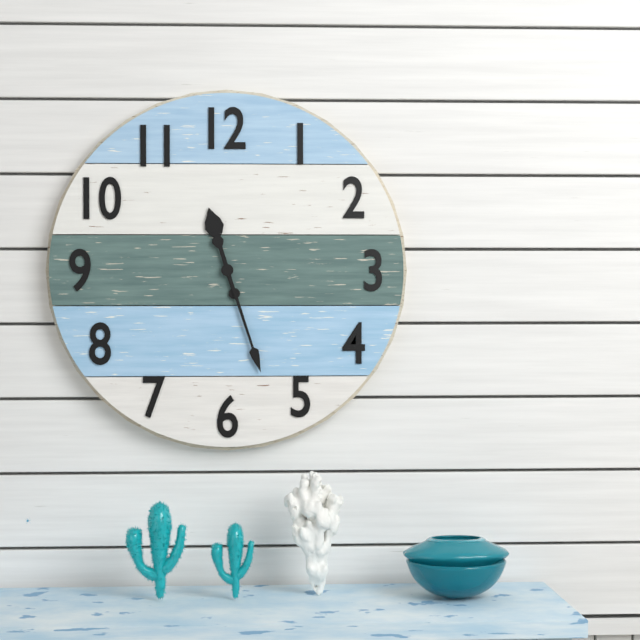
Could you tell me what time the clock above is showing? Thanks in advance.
11:27
